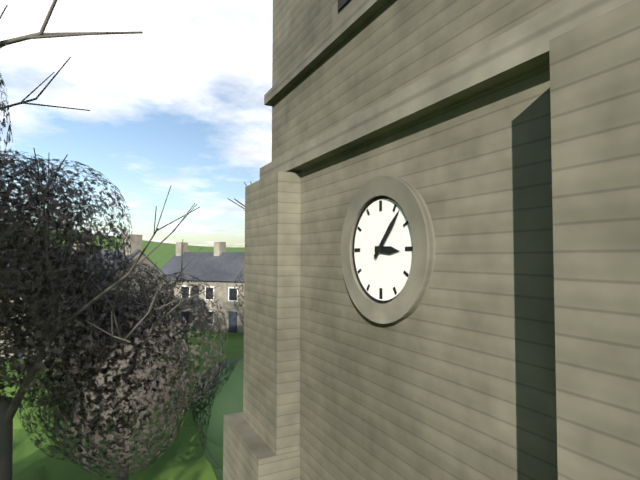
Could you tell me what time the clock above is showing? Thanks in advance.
3:07
